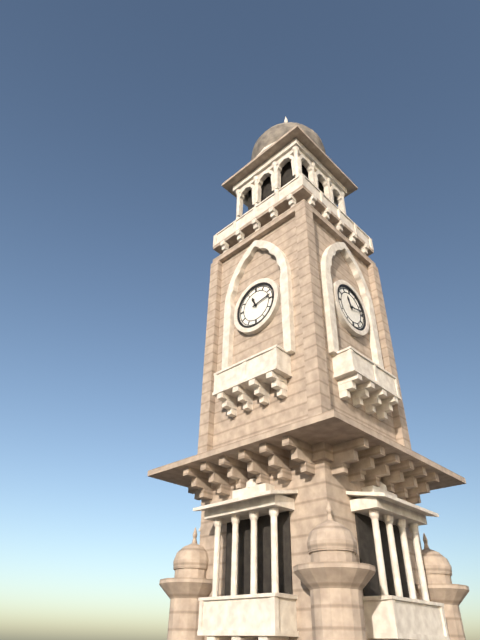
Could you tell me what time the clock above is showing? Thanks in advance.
11:13
